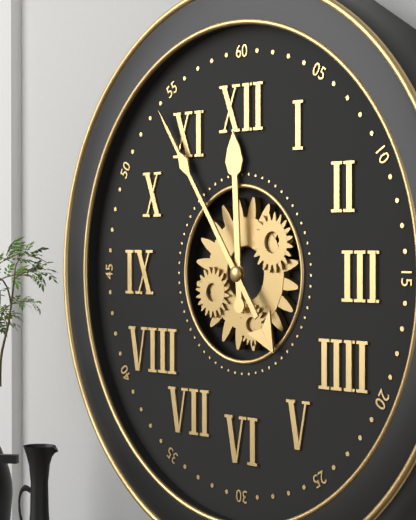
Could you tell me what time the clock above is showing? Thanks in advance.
11:54
